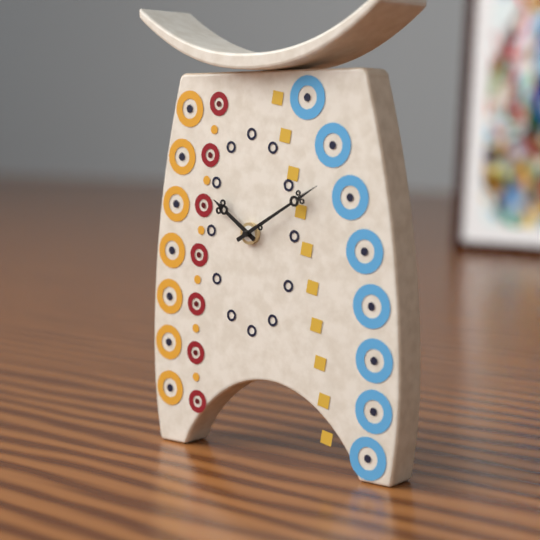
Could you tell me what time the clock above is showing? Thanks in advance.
10:10
